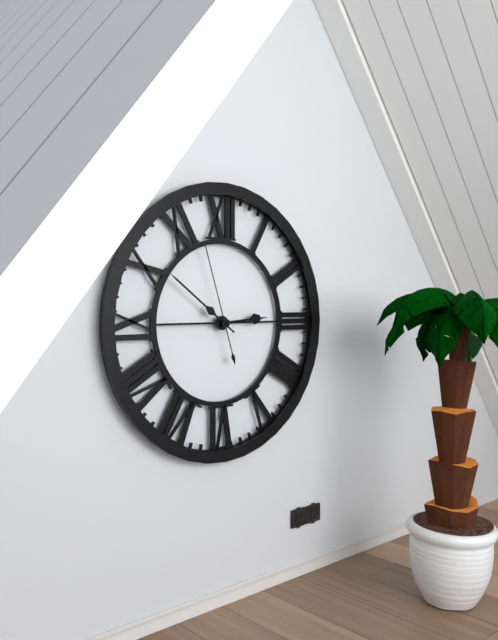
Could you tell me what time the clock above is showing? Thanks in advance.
2:51:57
